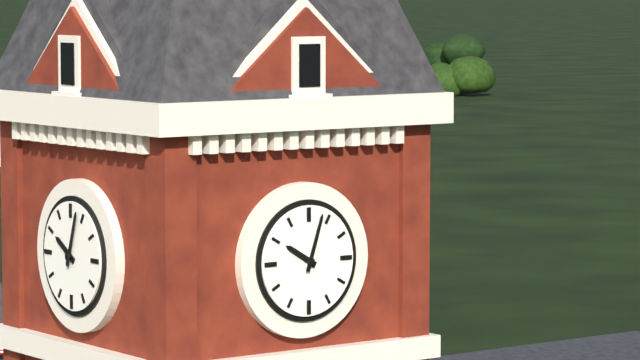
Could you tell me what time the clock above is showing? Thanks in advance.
10:03
